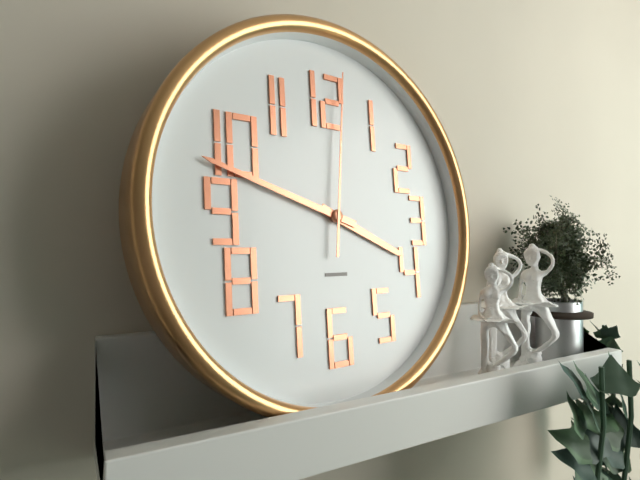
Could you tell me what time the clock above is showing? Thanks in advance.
3:48:01
